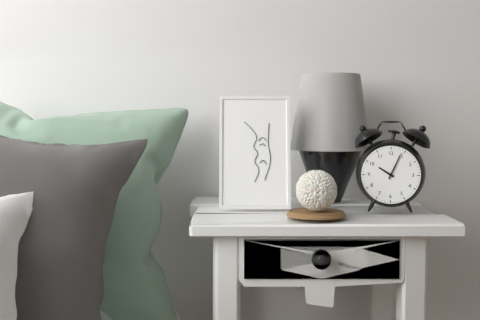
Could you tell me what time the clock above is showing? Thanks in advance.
10:04
